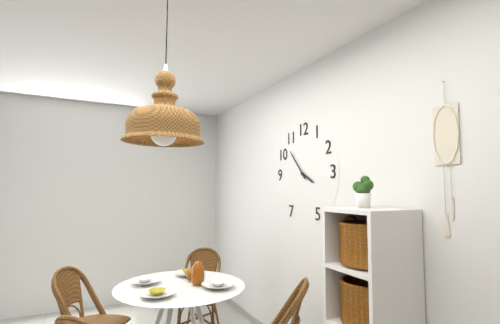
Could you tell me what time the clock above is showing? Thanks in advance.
3:53
